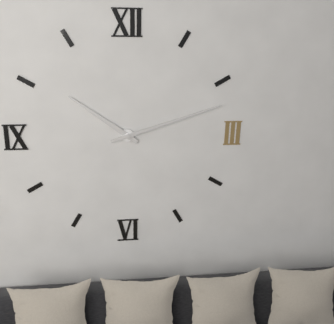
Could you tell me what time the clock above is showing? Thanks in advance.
10:12
